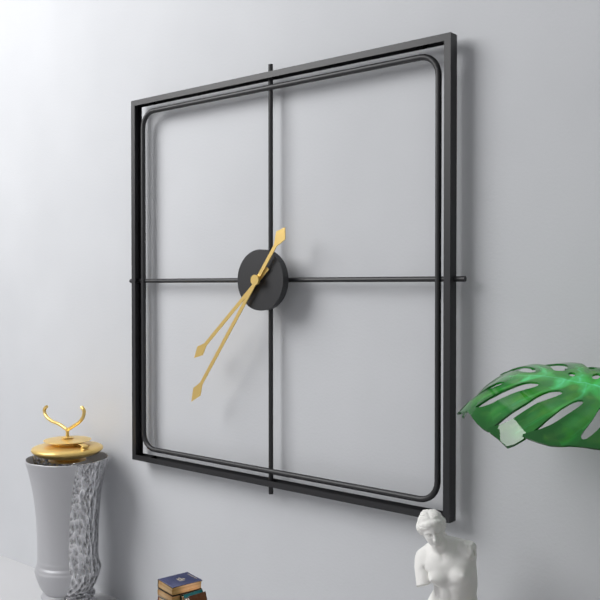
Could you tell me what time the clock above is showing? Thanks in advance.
7:36
